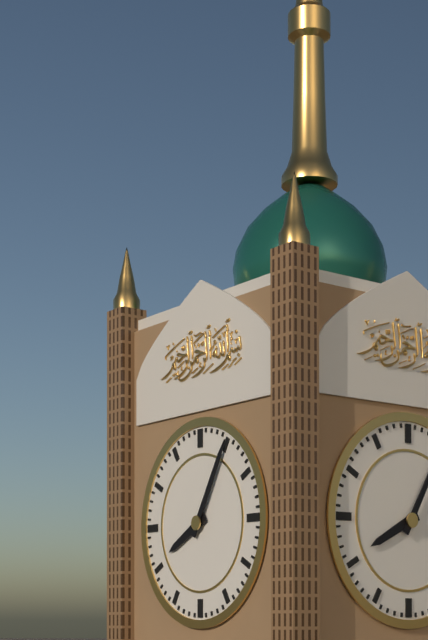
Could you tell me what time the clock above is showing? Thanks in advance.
8:05
